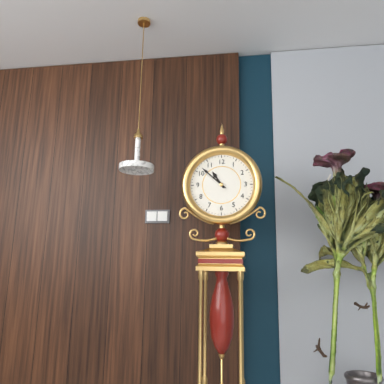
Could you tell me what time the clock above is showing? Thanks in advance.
10:52
